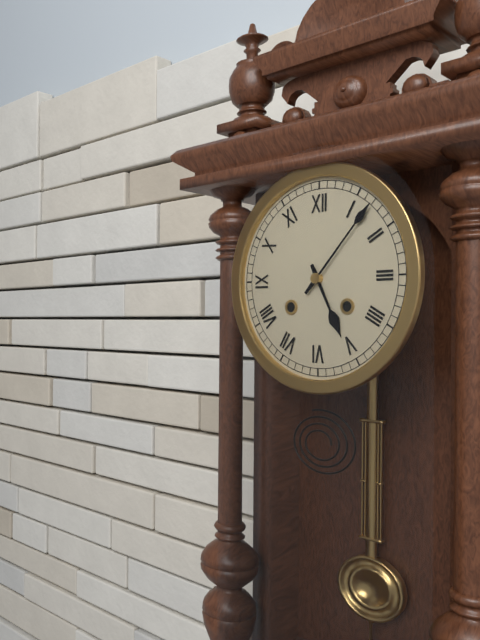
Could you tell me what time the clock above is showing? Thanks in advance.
5:07
